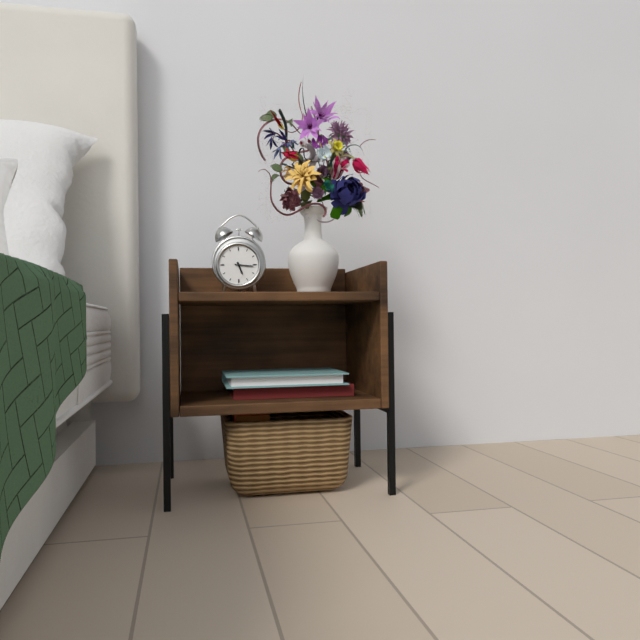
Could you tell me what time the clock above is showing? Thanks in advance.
5:16
